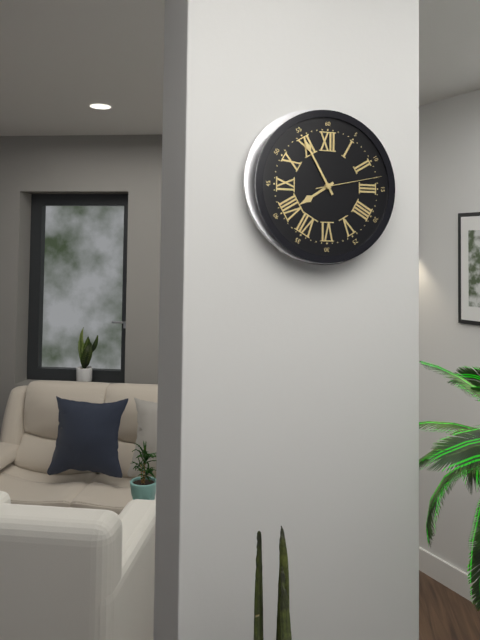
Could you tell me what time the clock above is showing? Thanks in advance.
7:55:13
